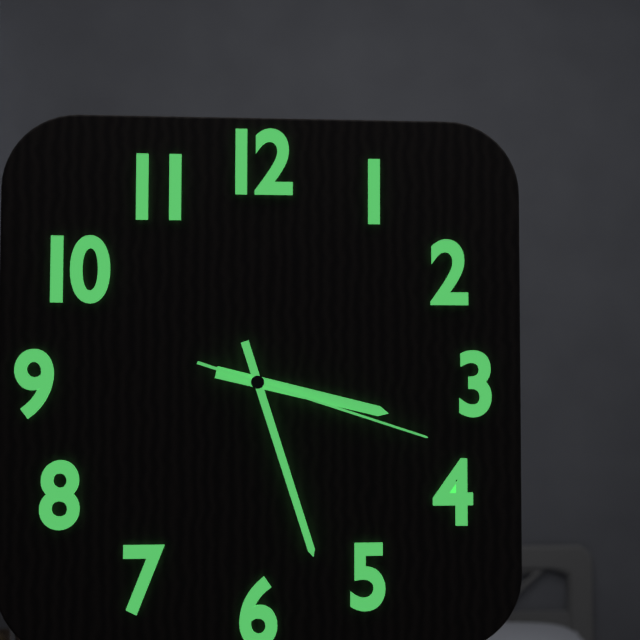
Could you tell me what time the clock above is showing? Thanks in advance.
3:27:18
